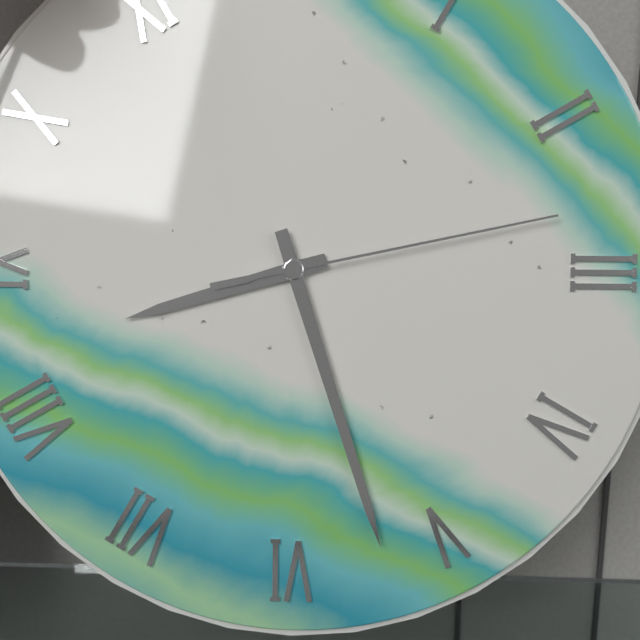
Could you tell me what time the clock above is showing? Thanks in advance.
8:27:13
